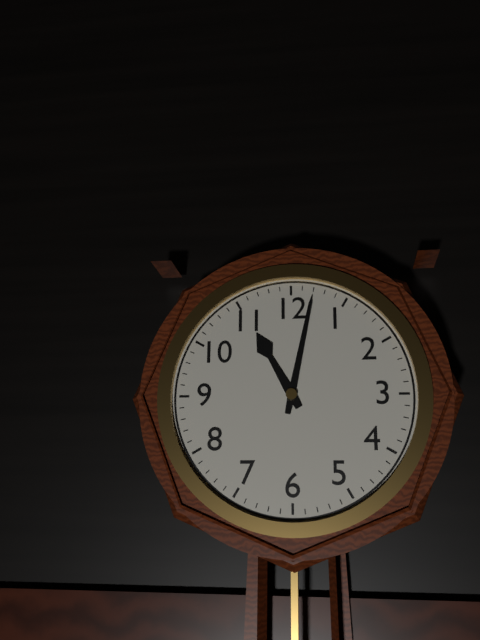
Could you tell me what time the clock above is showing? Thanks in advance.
11:02
